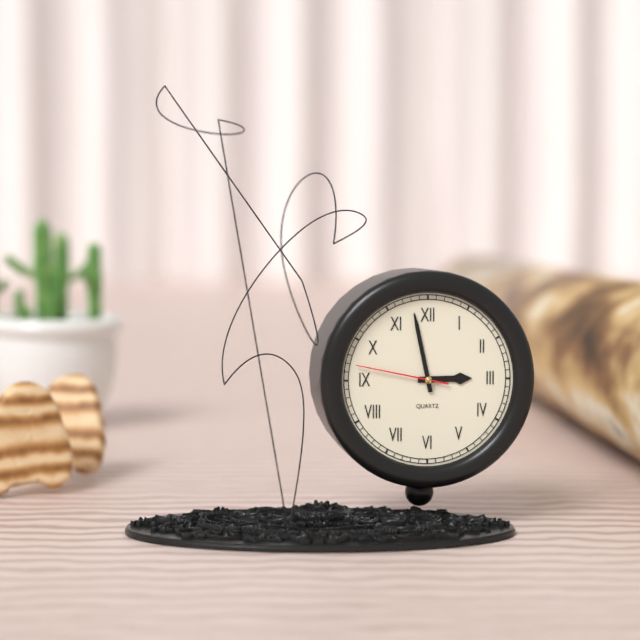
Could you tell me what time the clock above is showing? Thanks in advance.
2:58:47
